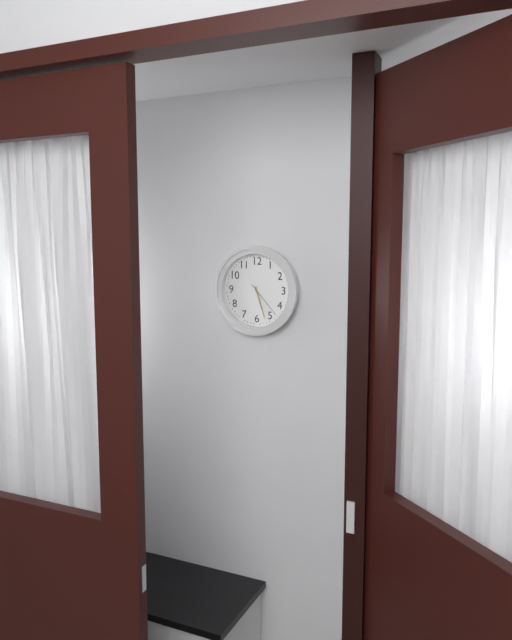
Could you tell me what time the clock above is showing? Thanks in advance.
5:27
